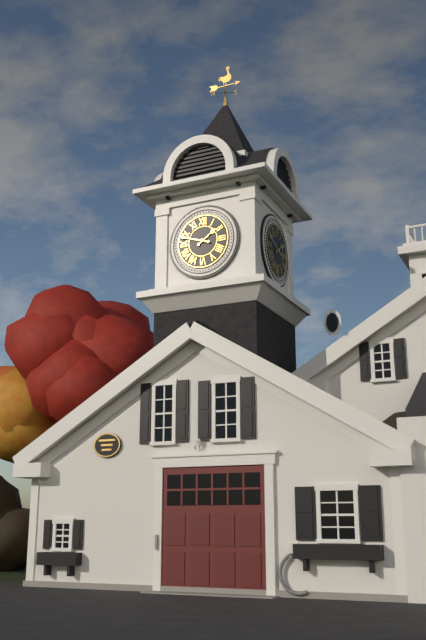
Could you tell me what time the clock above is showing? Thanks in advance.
1:48
